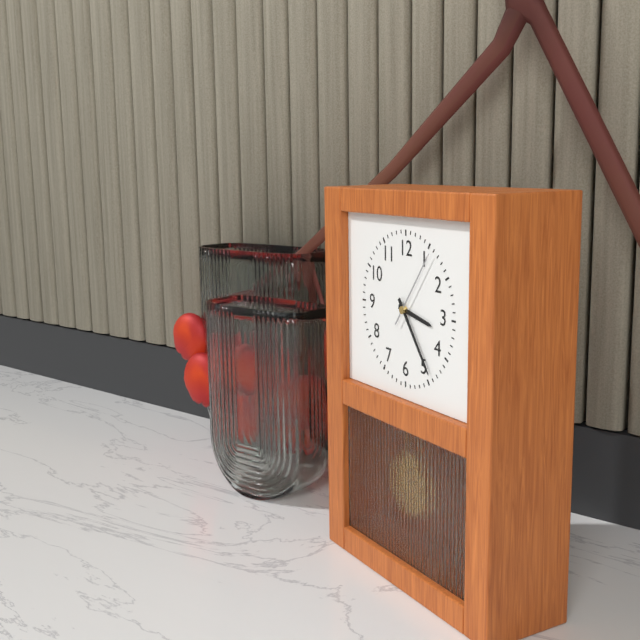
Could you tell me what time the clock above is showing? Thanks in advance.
3:24:06
